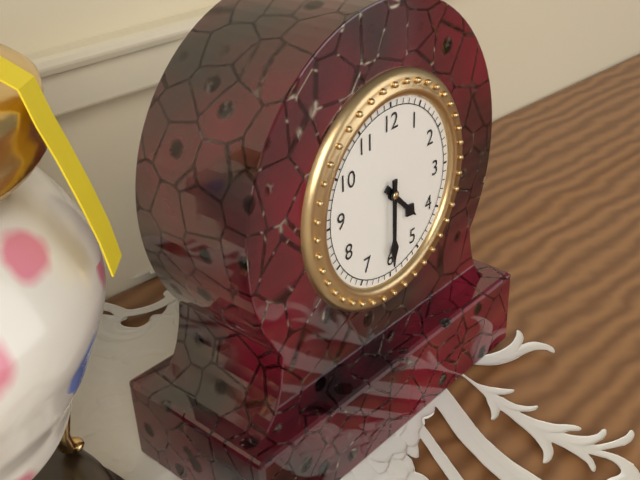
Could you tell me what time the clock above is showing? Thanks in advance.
4:30
